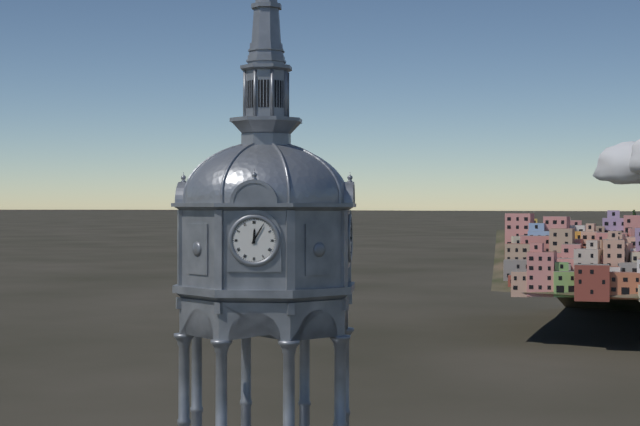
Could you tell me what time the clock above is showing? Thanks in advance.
12:05
